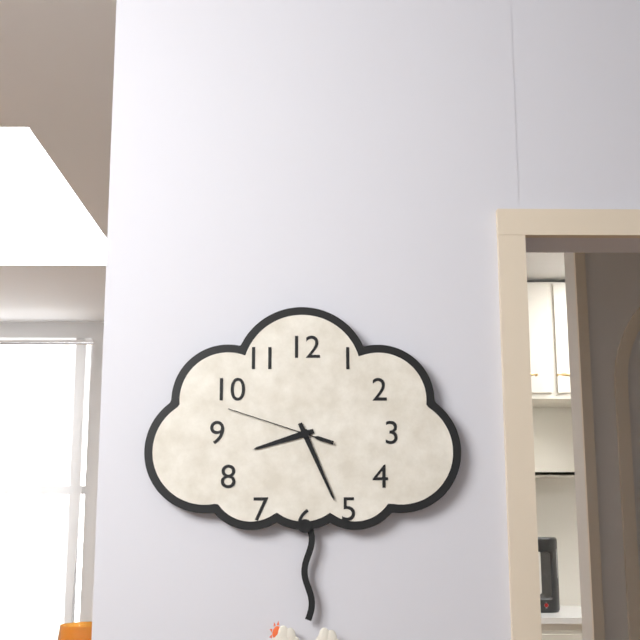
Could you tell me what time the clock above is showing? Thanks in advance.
8:26:48
